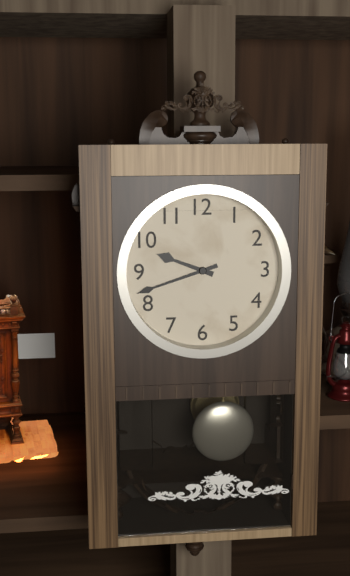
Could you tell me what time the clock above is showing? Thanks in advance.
9:42
